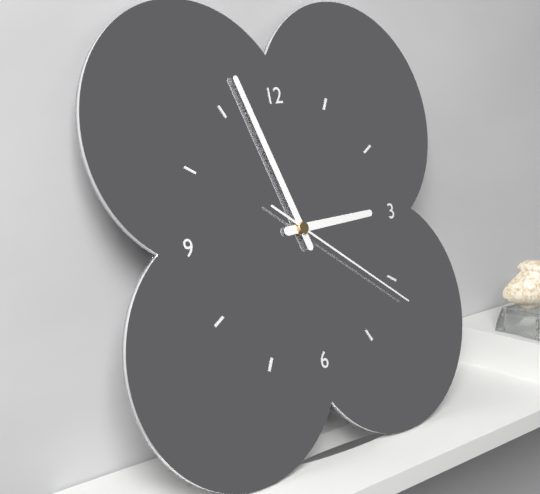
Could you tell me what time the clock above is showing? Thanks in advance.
2:57:21
